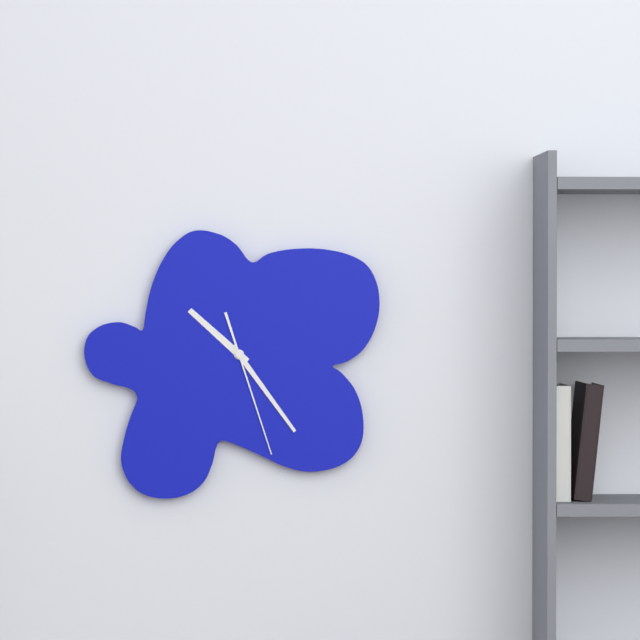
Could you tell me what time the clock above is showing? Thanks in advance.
10:24:27
